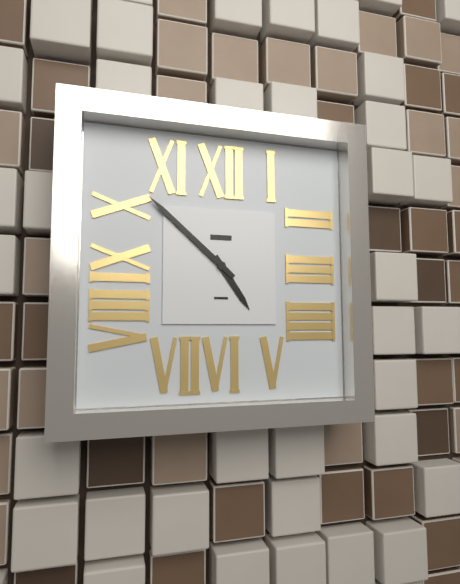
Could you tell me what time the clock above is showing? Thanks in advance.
4:52
